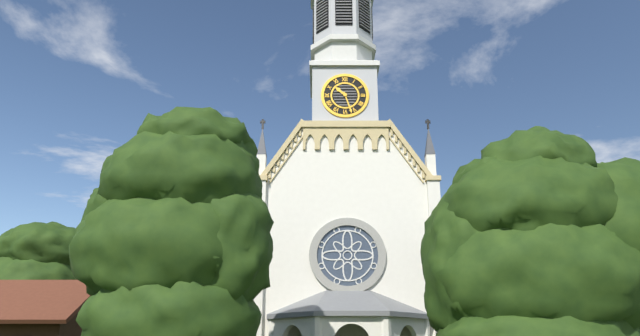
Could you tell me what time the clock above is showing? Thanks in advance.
10:27
